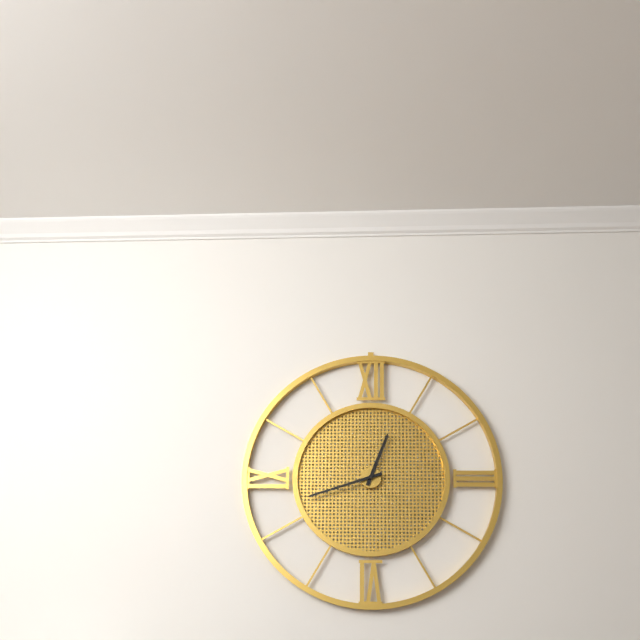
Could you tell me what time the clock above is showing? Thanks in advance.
12:42
